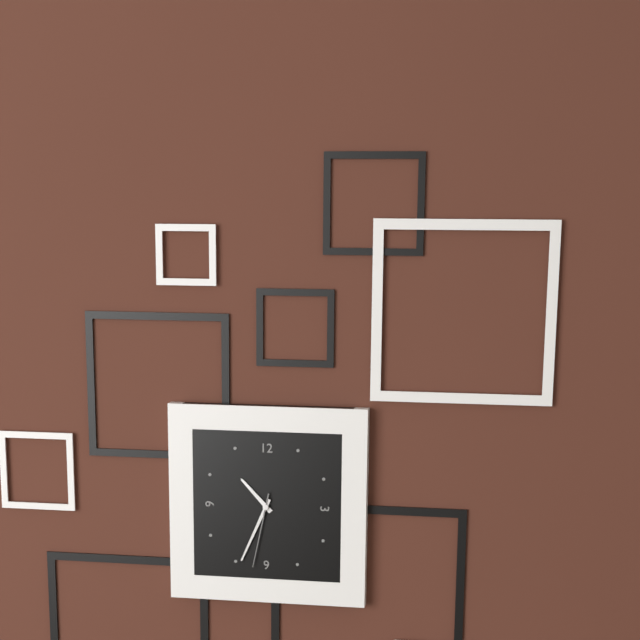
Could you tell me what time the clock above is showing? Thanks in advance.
10:34:32
